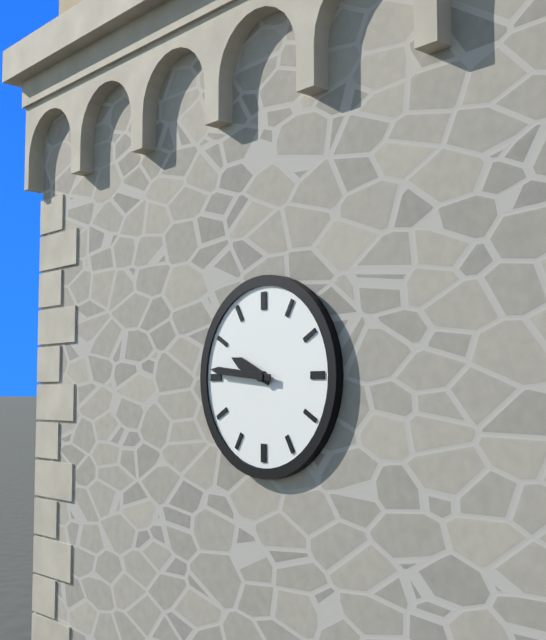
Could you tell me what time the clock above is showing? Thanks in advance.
9:46
